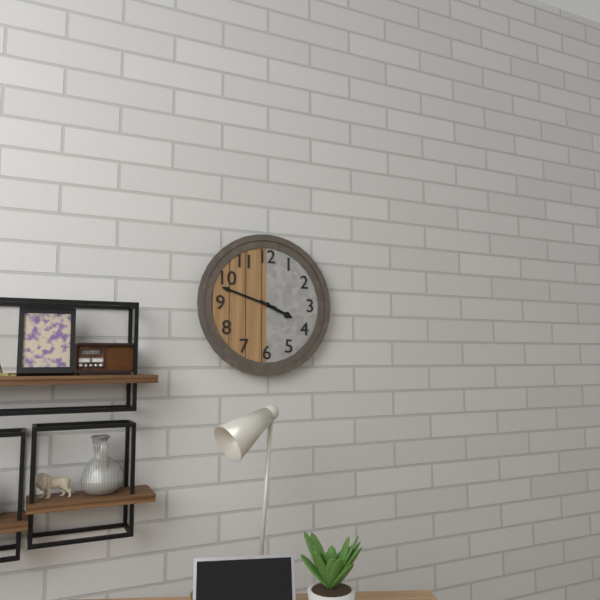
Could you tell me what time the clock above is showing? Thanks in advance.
3:48
